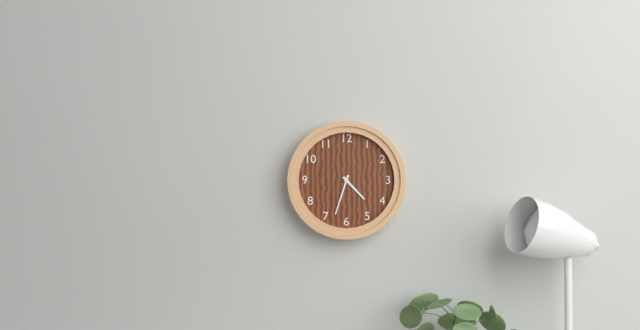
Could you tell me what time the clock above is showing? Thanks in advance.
4:33
